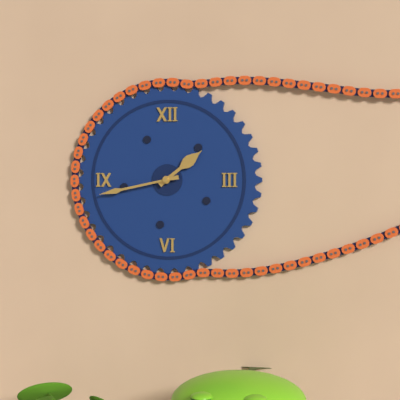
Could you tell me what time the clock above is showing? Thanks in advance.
1:43
